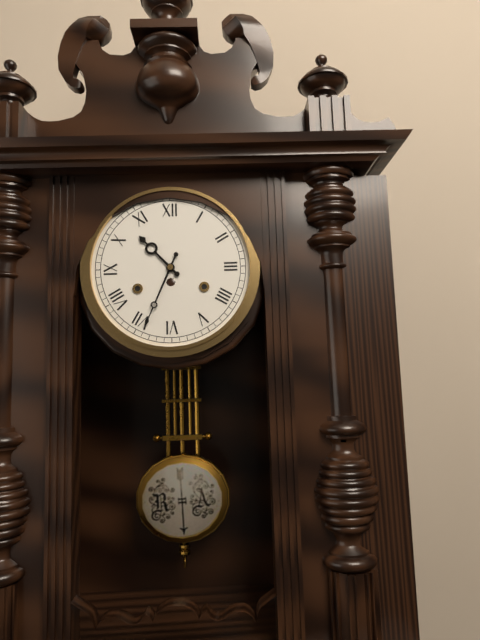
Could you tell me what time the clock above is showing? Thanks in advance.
10:34
